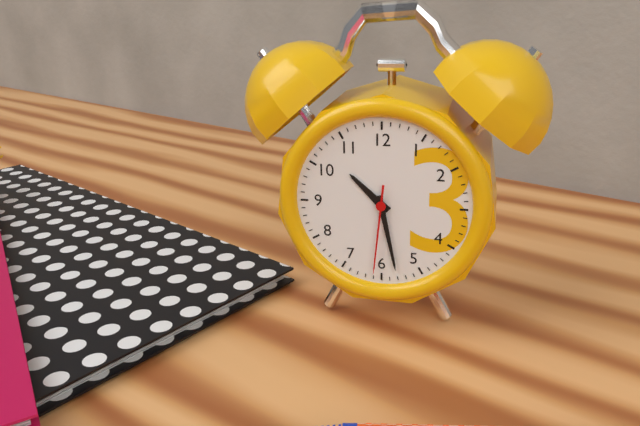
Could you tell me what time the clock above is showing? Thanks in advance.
10:28:31
